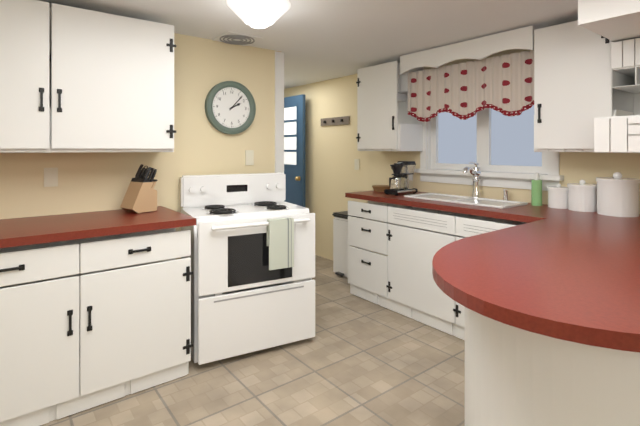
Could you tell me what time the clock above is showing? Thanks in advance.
2:07
